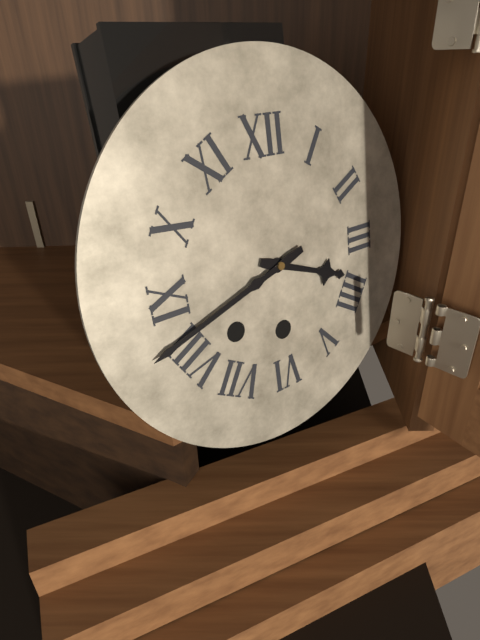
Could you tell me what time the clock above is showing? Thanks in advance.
3:42
